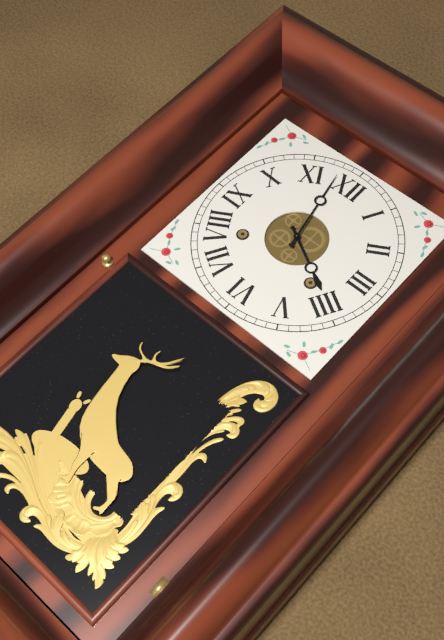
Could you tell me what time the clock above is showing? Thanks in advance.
3:58
